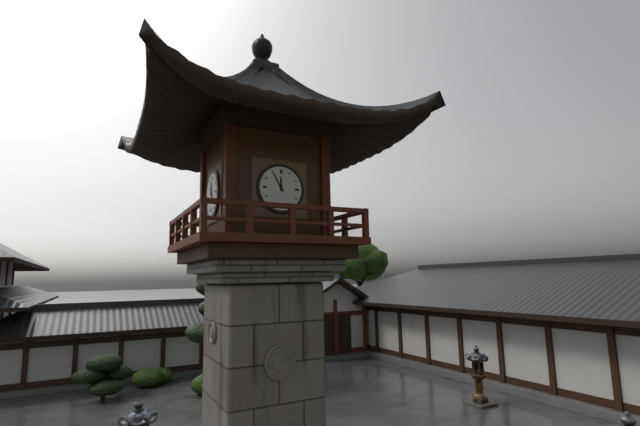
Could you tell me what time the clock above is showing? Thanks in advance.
11:55
